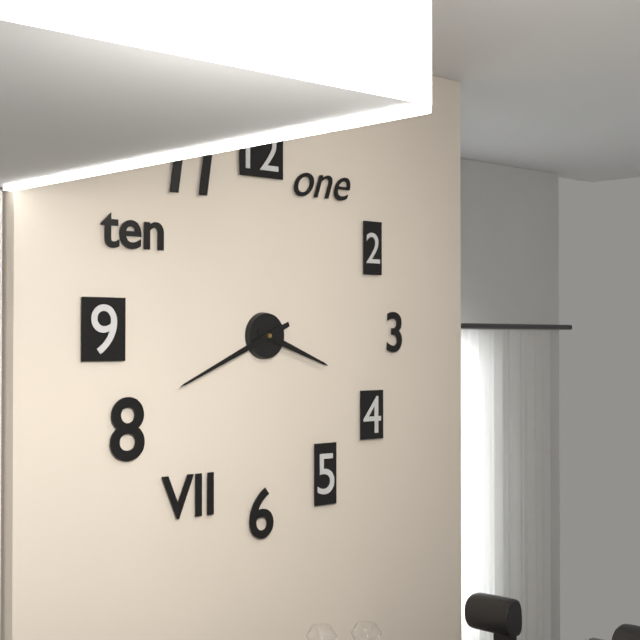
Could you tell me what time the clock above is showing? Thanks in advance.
3:41
